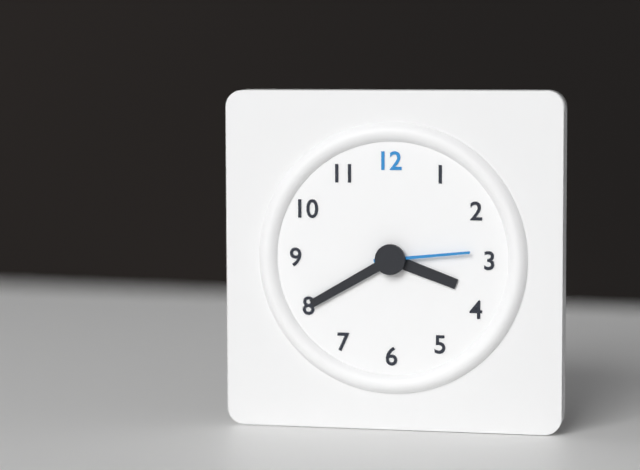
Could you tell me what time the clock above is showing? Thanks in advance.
3:40:14
